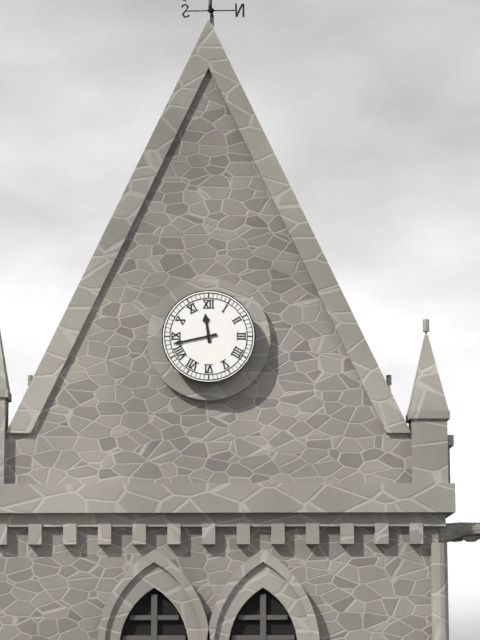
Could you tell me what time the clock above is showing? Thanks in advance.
11:43
